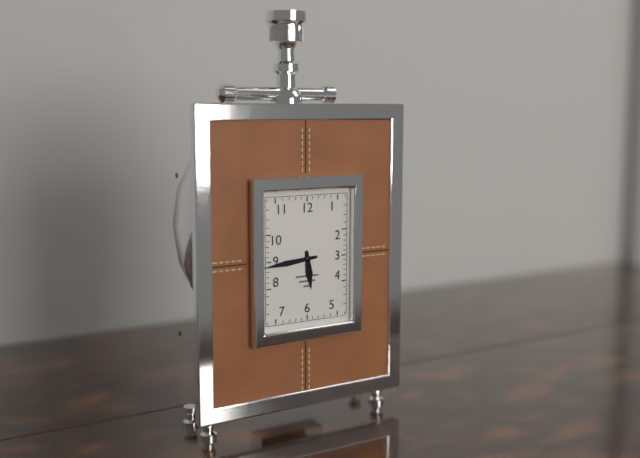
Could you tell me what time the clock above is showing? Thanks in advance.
5:44
